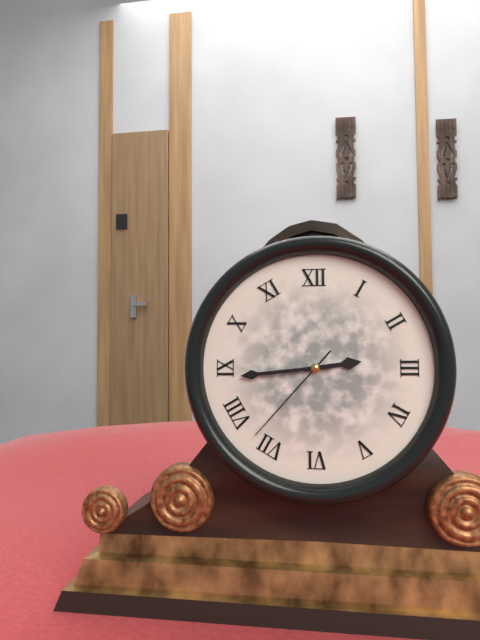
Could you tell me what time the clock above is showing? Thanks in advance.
2:44:37
